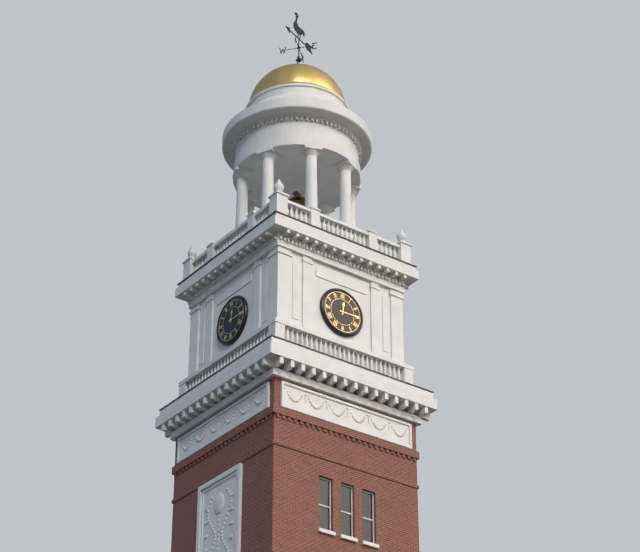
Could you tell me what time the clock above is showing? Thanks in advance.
12:15
